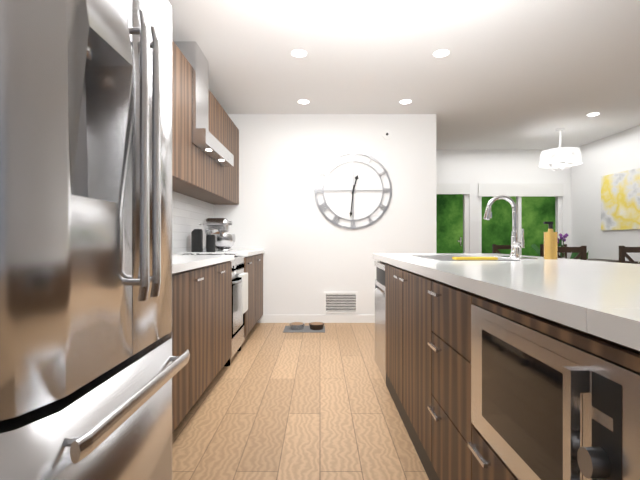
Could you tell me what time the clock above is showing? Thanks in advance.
12:31
